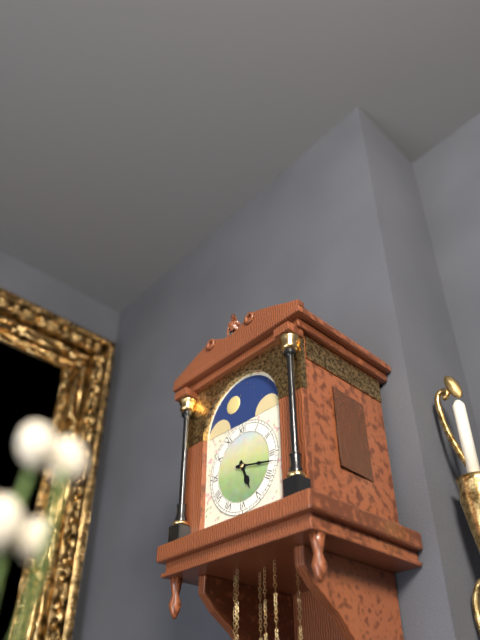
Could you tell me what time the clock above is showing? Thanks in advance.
5:17
